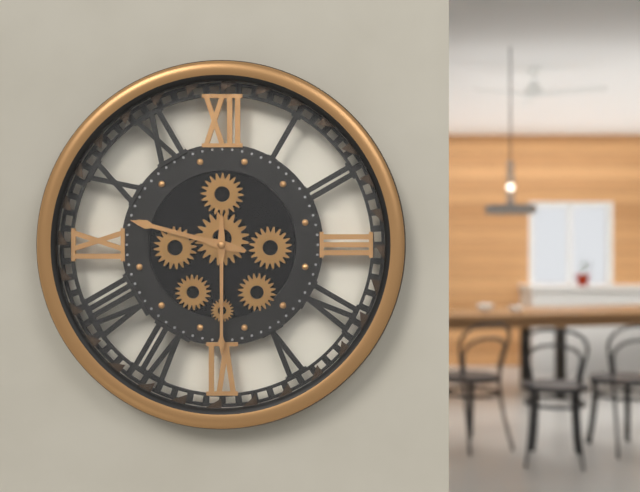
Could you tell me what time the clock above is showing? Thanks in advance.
9:30
